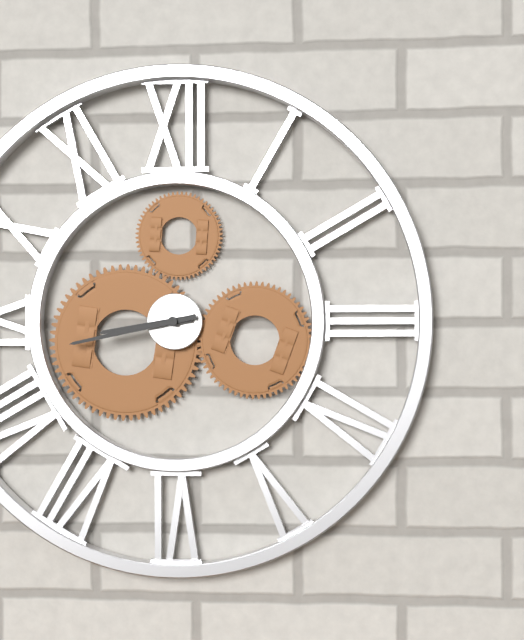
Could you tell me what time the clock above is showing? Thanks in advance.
8:43
